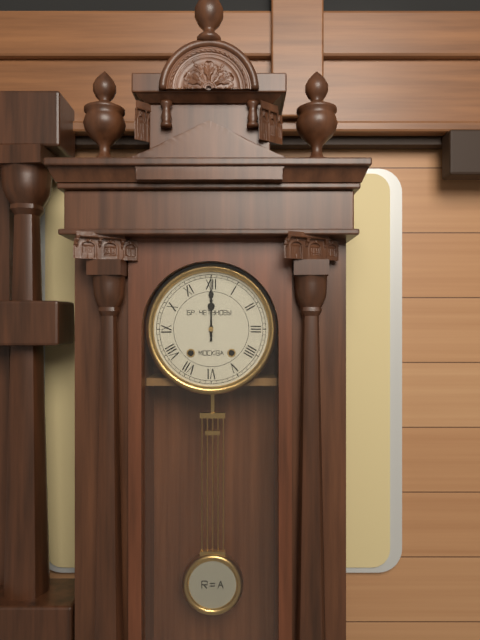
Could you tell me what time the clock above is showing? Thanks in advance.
12:00
